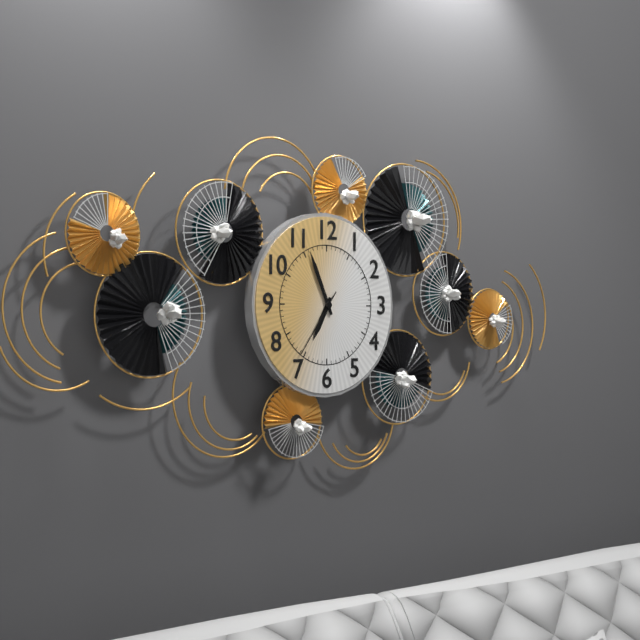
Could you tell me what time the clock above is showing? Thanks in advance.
6:56:36
